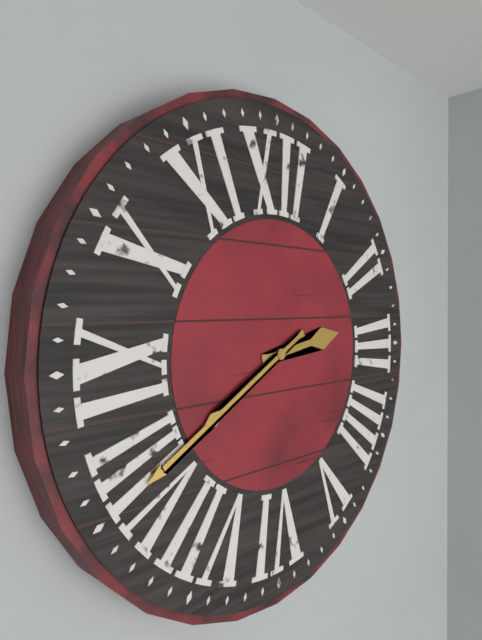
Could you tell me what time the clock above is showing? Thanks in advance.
2:40
